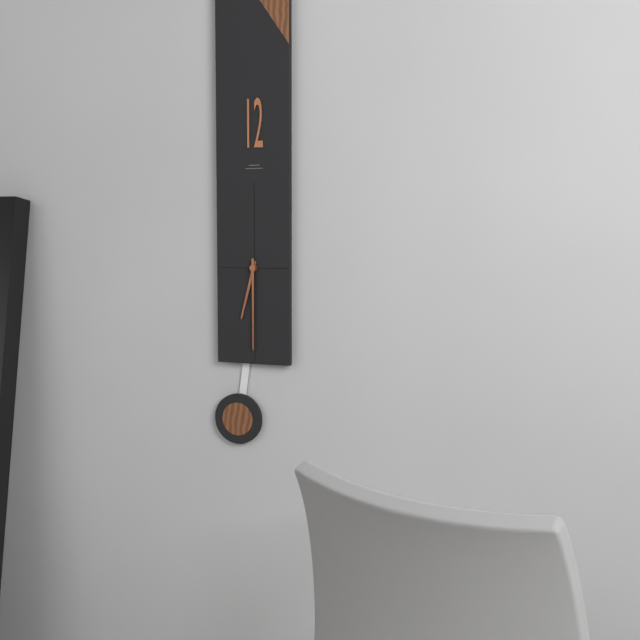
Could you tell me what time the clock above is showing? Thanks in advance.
6:30
